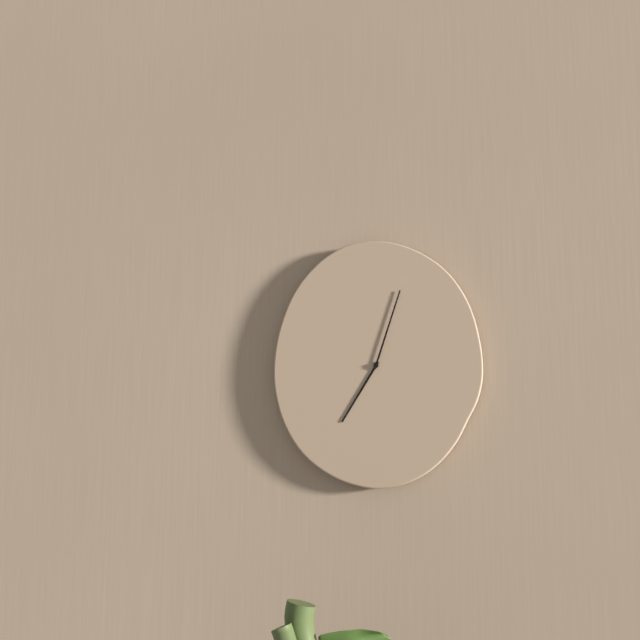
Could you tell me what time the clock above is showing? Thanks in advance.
7:03
